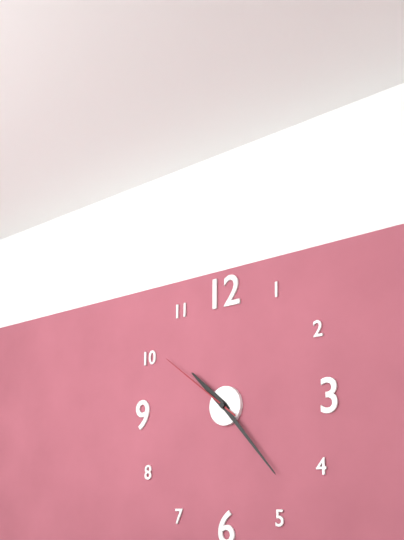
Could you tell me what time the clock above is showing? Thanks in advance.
10:23:51
